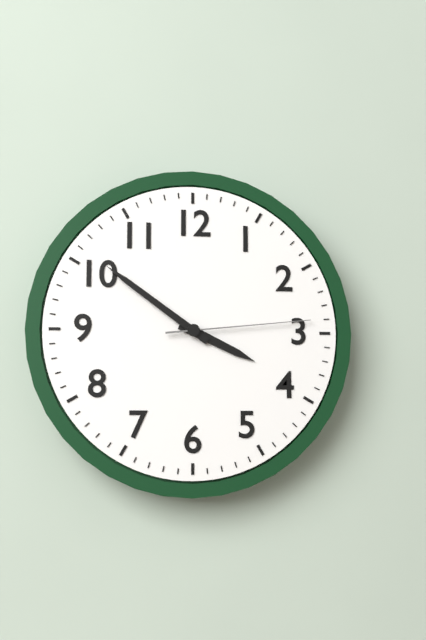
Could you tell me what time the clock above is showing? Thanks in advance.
3:51:14
